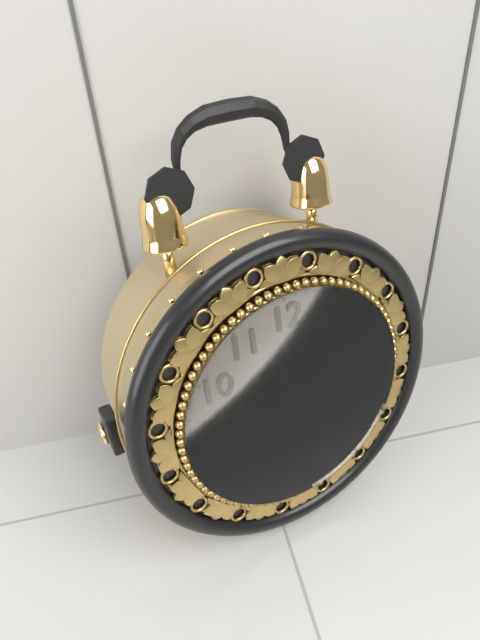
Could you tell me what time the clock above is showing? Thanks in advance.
12:47:36
